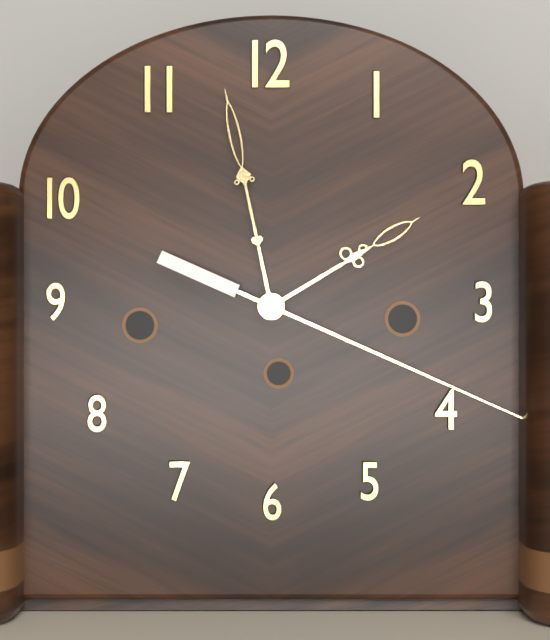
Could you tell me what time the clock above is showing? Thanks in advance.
1:58:19
